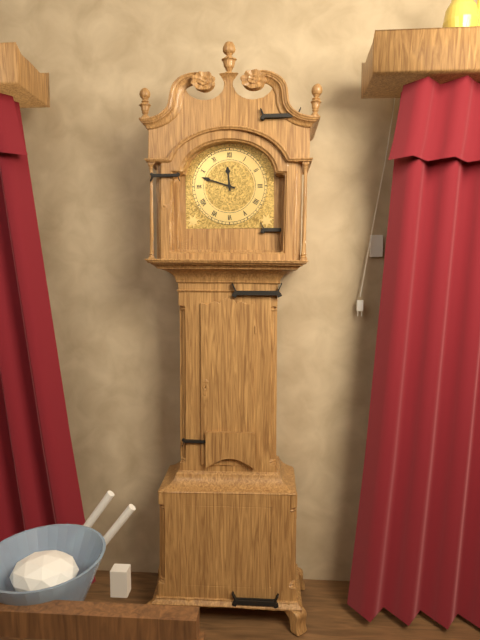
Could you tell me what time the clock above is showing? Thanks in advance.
11:48
